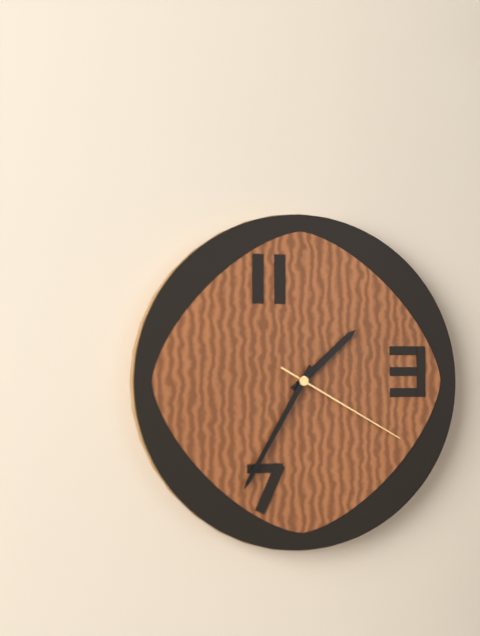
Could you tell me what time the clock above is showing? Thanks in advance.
1:35:20
